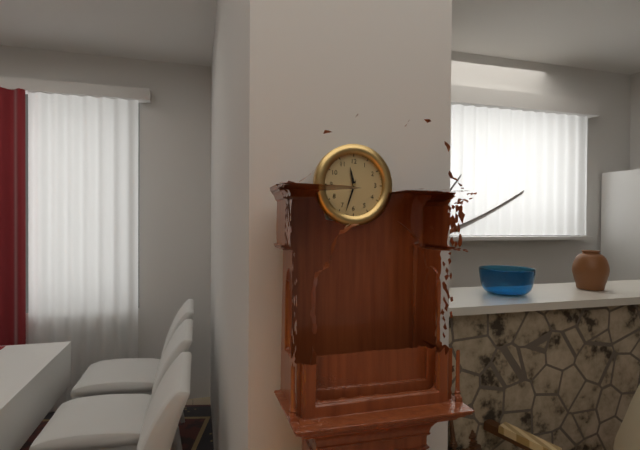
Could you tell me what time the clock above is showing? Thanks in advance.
11:33
